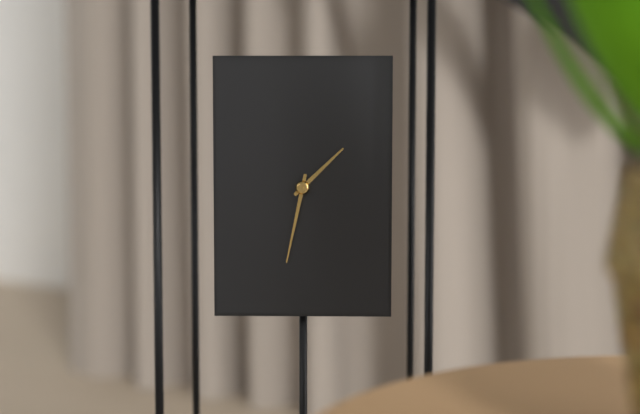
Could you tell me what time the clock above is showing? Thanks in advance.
1:32
